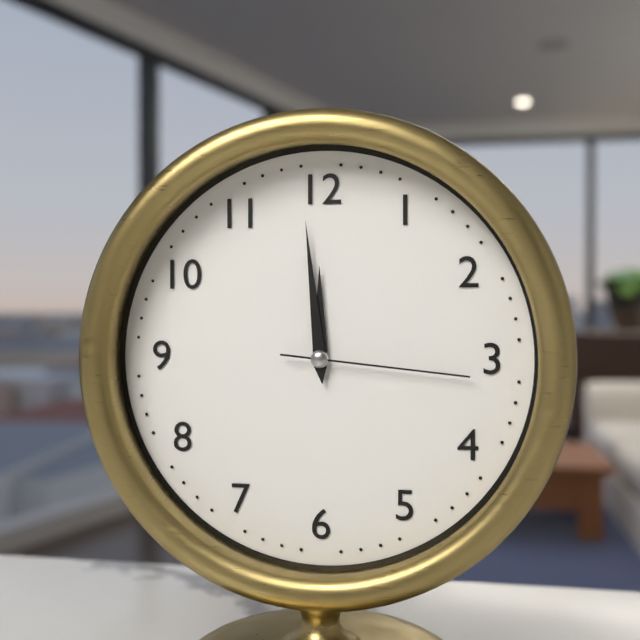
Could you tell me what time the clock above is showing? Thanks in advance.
11:59:16
